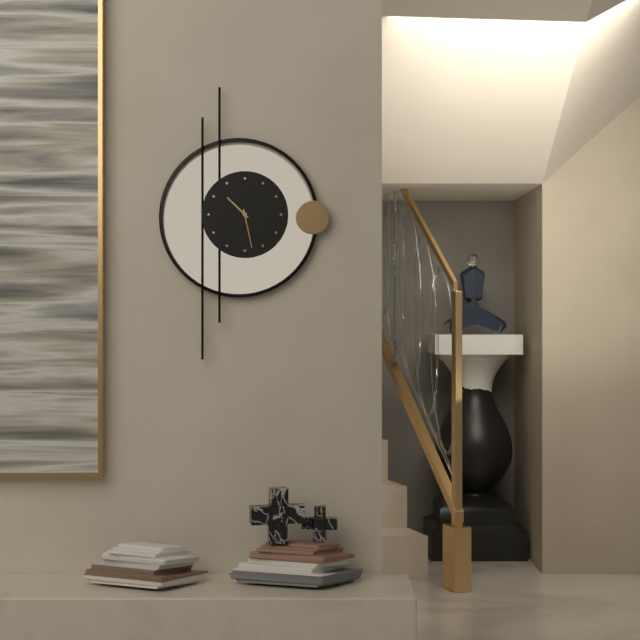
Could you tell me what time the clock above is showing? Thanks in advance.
10:28
